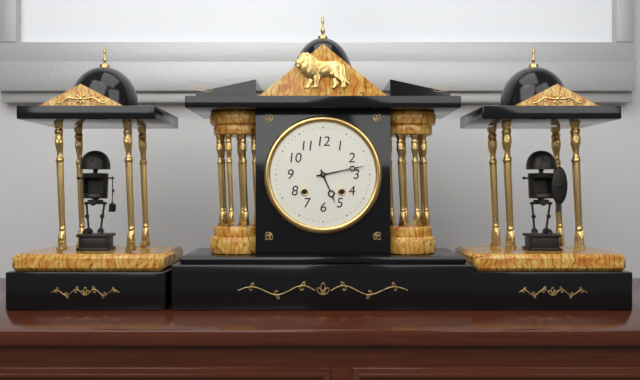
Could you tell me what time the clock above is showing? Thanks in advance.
5:13
